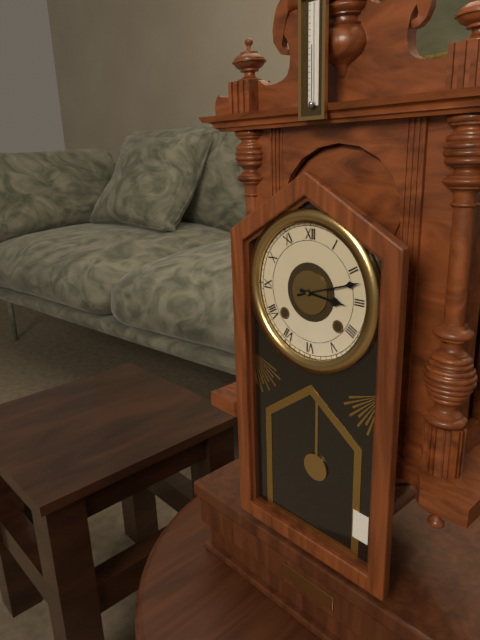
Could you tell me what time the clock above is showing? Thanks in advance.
3:12
